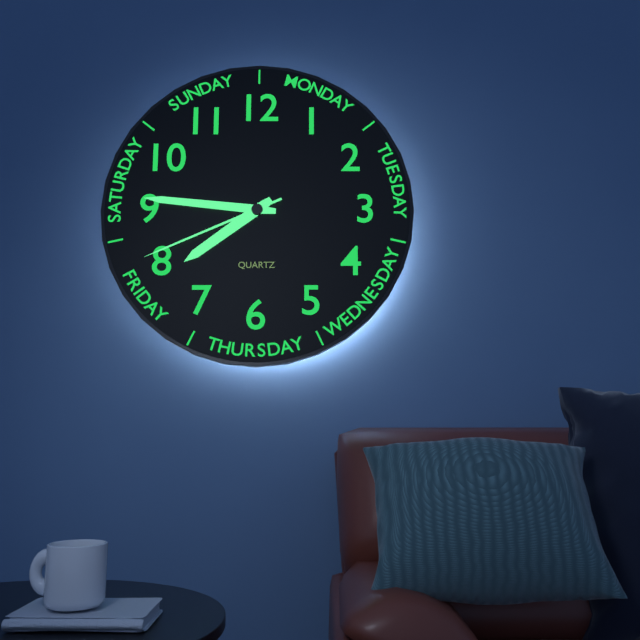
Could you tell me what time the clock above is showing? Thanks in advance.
7:46:41
